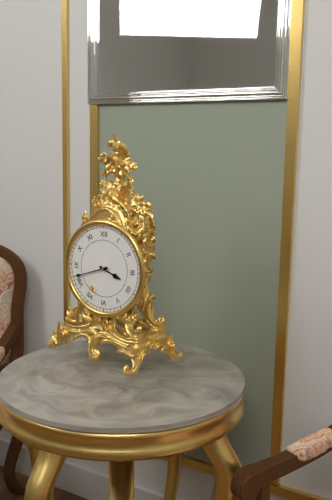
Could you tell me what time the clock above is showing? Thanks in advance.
3:42
